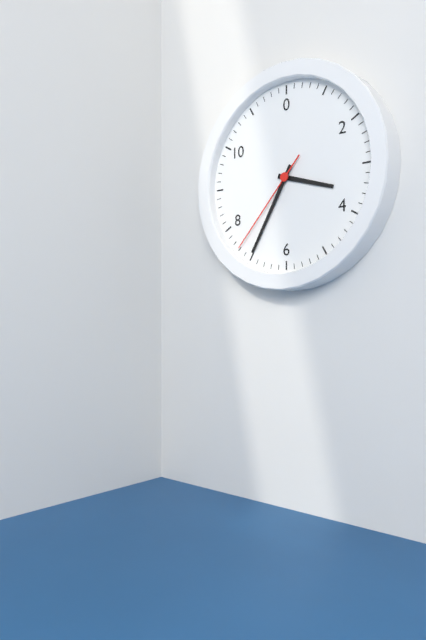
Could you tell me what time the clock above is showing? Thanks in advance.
3:35:37
